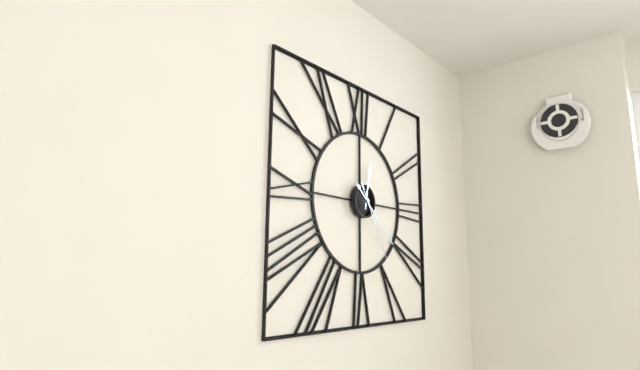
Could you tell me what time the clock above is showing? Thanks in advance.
12:22:25
